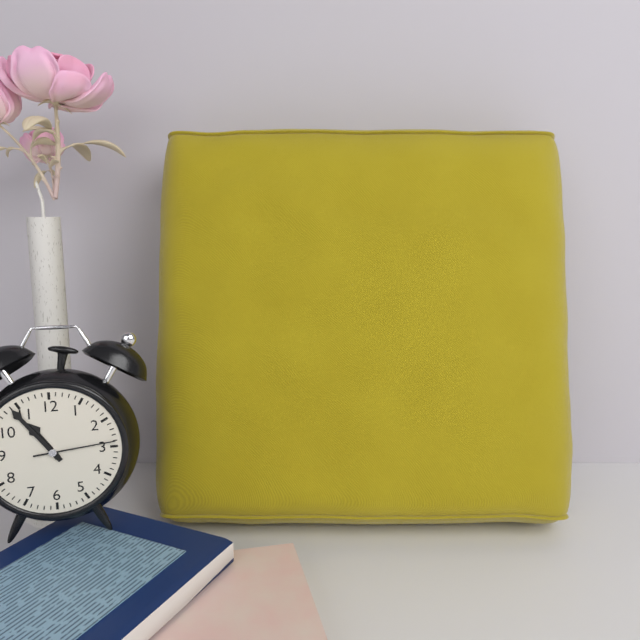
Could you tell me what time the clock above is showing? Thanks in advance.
10:54:14
